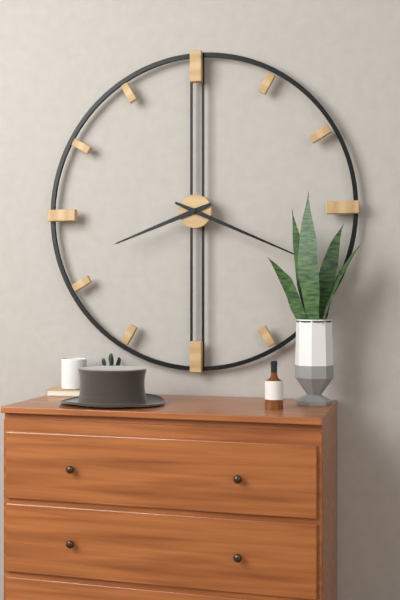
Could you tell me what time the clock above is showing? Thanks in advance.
8:19
